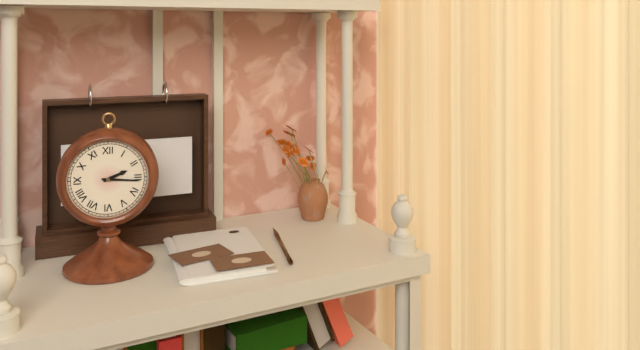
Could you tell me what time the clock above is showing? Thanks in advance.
2:16
